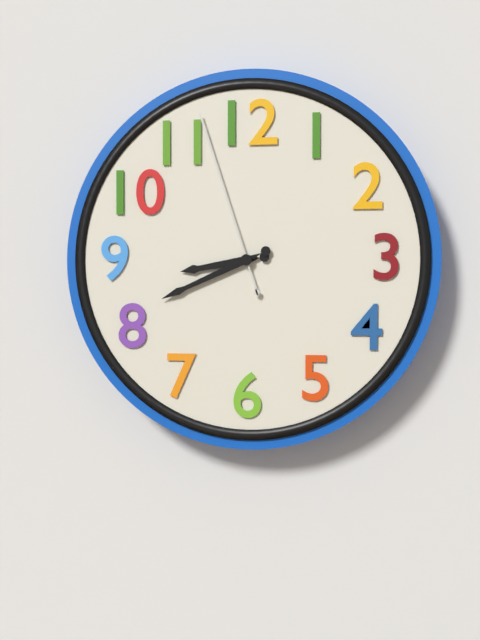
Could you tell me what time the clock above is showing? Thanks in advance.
8:41:57
